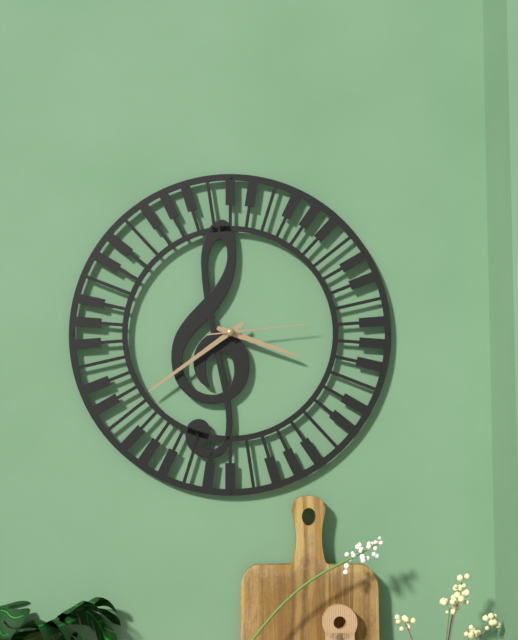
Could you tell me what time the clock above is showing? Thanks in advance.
3:39:14
